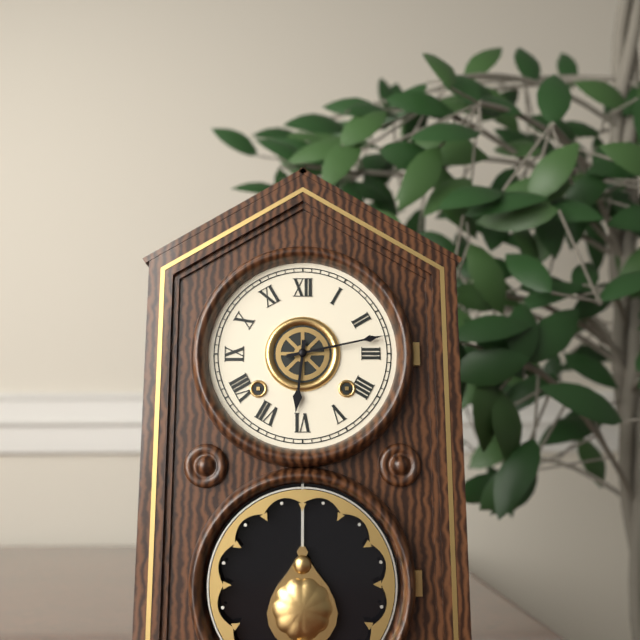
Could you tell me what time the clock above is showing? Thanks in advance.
6:13
